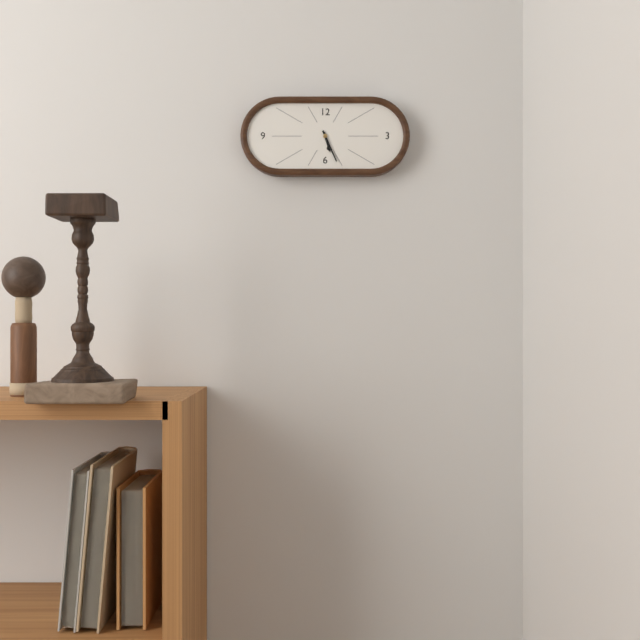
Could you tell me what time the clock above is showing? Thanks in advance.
5:26
